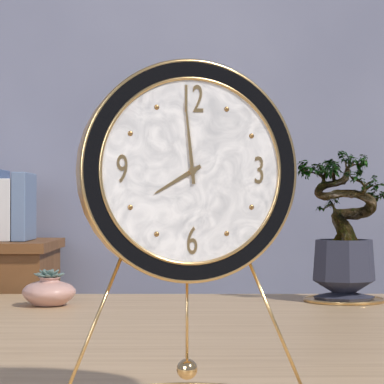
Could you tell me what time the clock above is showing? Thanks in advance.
7:59
